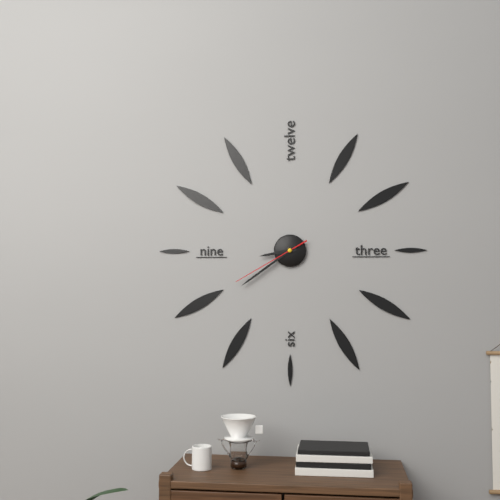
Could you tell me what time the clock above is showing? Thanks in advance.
8:39:40
